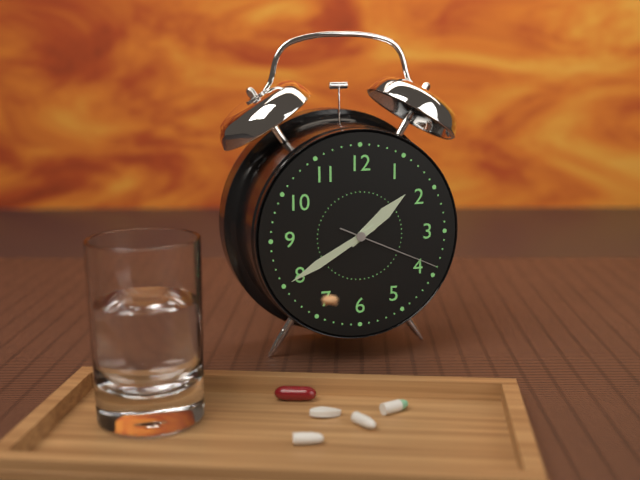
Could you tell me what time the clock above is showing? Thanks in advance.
1:40:19
